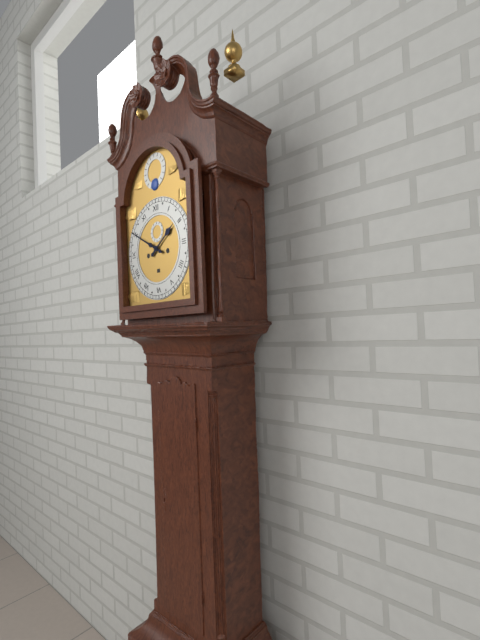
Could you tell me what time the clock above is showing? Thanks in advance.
1:50
